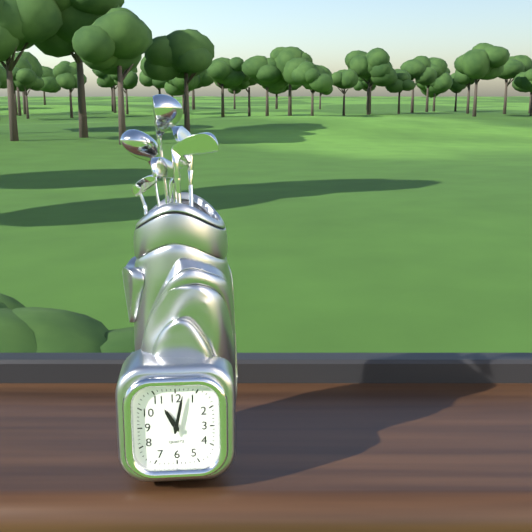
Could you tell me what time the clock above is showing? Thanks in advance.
11:02
